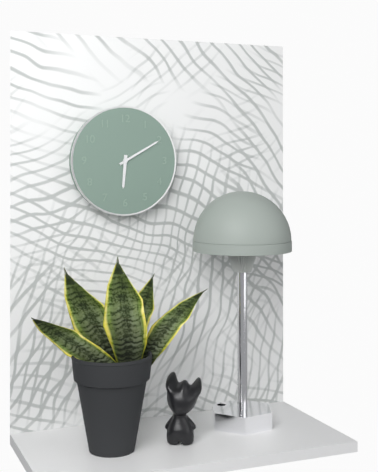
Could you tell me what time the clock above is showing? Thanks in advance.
6:10
